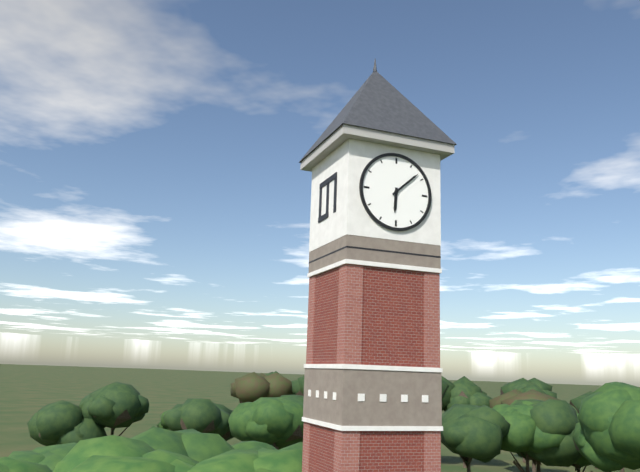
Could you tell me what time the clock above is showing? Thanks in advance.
6:08
